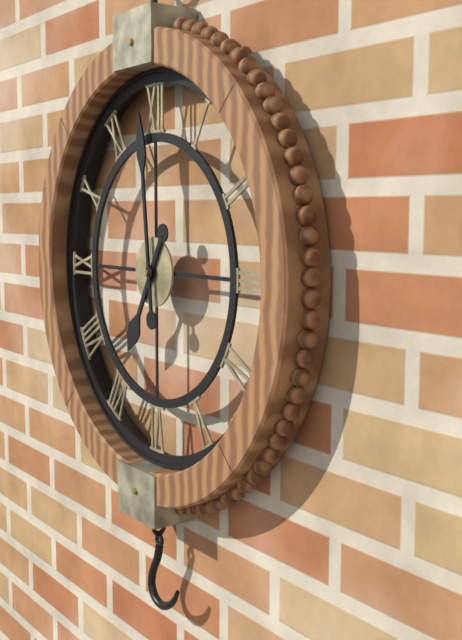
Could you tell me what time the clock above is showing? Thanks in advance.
6:59
